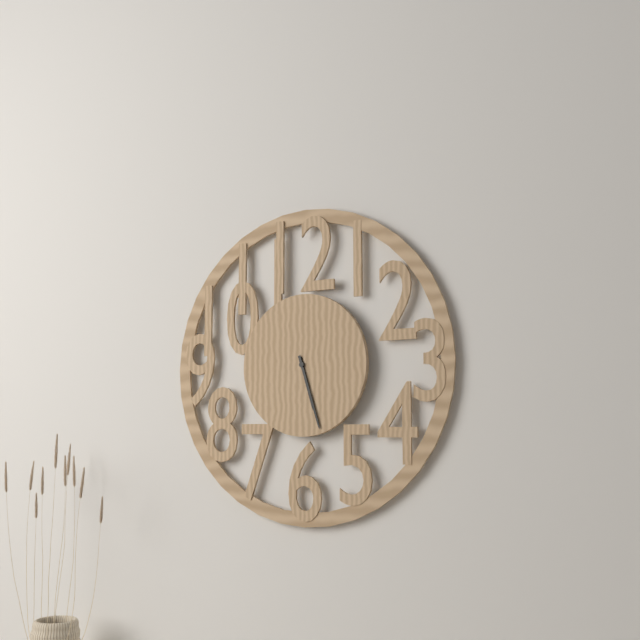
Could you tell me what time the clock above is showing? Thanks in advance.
5:27
